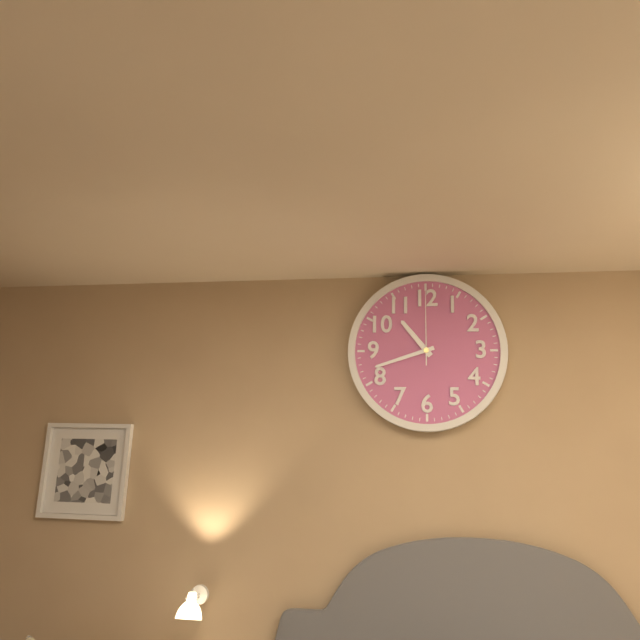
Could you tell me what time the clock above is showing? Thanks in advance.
10:42:00
